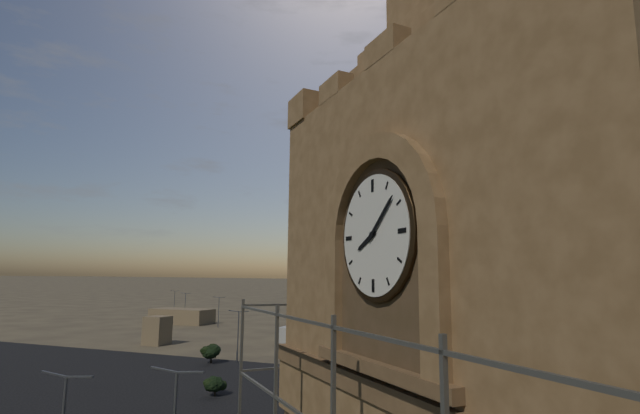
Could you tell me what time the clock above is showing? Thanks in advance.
8:08
